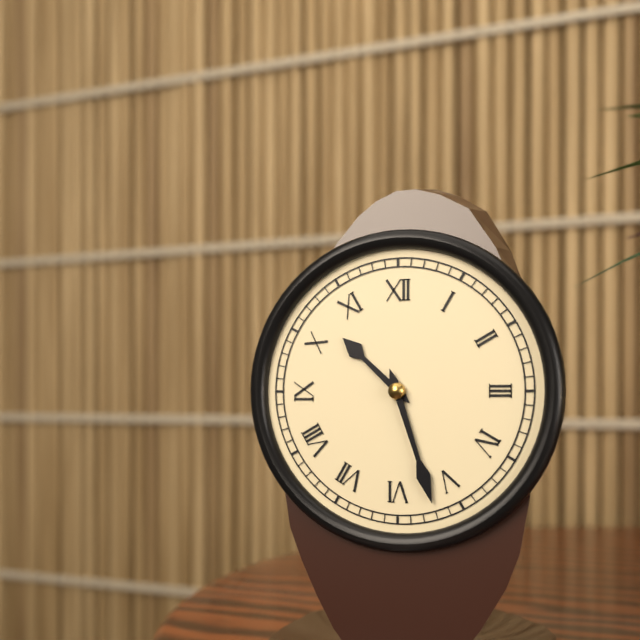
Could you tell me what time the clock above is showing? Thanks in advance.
10:27
